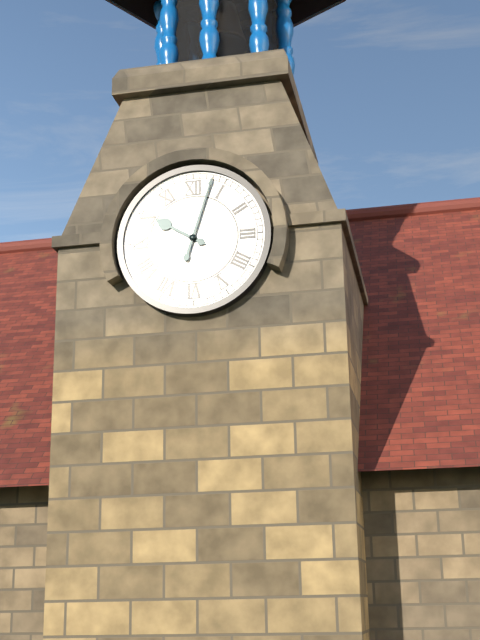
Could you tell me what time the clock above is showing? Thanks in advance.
10:03
